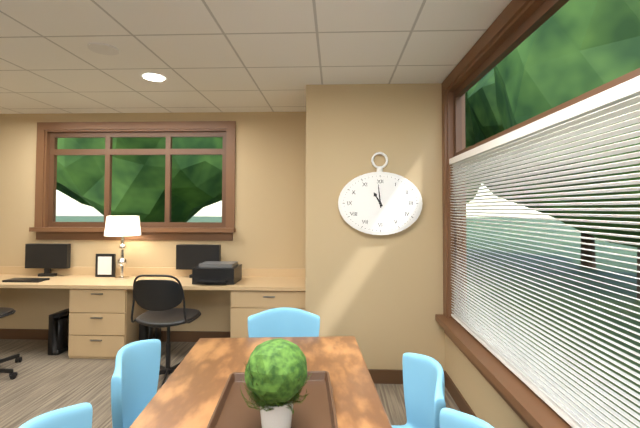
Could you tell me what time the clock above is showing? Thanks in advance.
10:59
